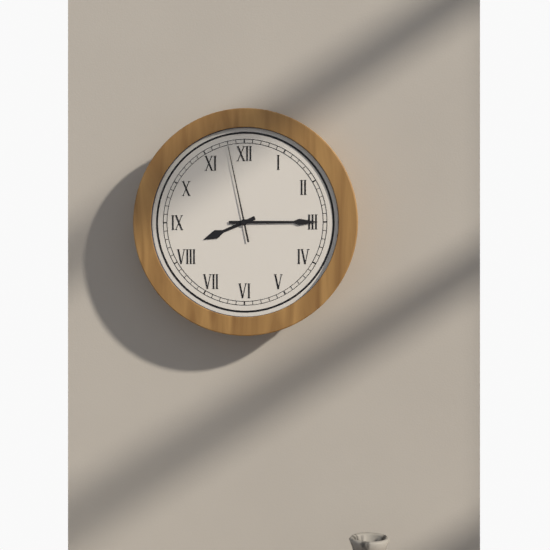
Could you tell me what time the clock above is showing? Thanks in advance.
8:15:58
